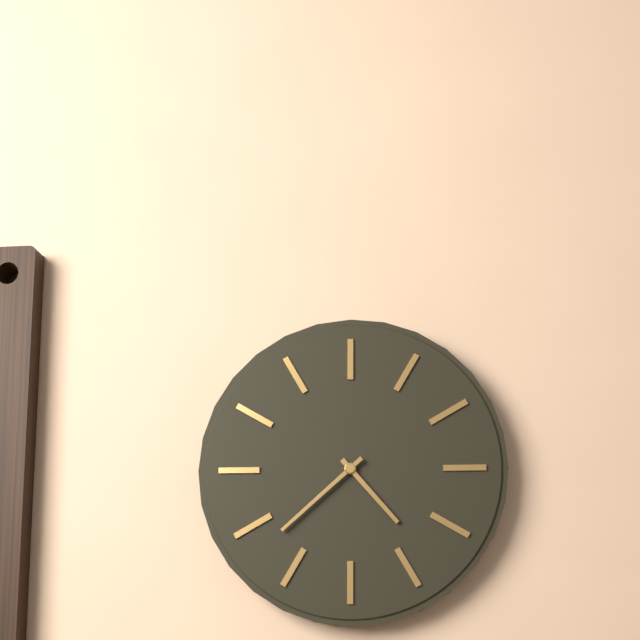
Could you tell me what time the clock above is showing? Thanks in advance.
4:38
